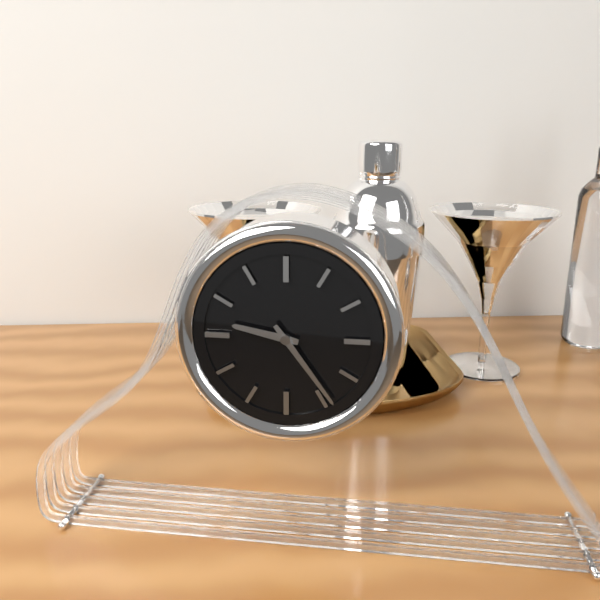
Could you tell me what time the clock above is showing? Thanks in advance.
9:24
